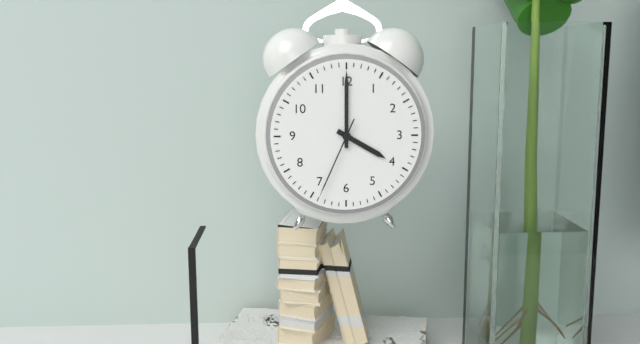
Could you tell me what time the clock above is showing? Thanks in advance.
4:00:34
